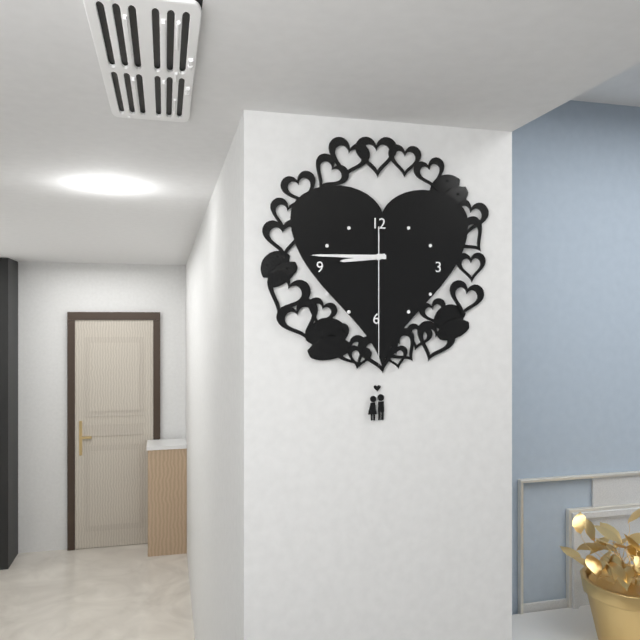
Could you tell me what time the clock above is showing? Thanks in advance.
8:45:30
